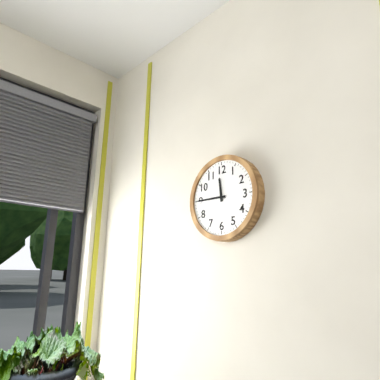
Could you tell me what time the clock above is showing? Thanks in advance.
11:45
